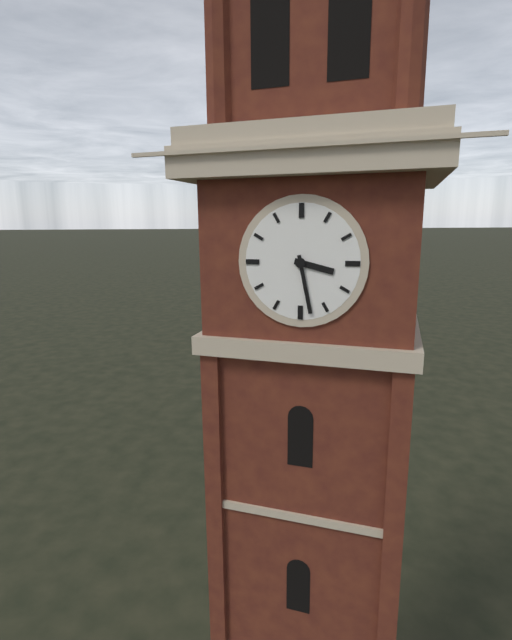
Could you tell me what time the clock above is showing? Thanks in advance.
3:28
